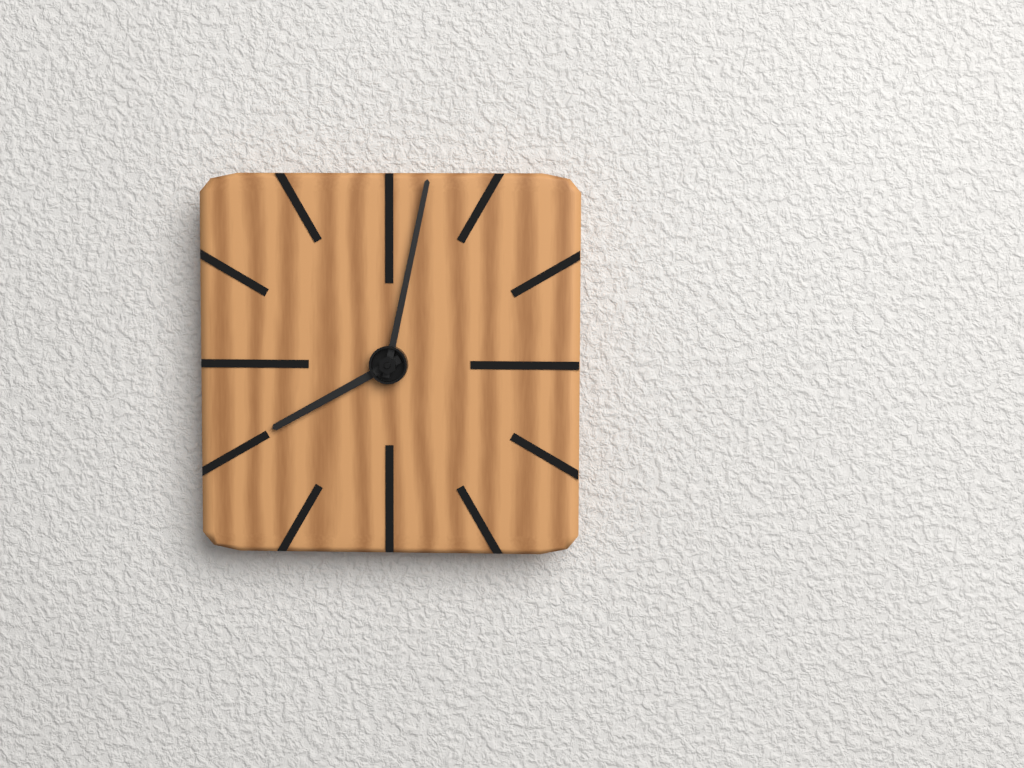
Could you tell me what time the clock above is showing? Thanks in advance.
8:02
